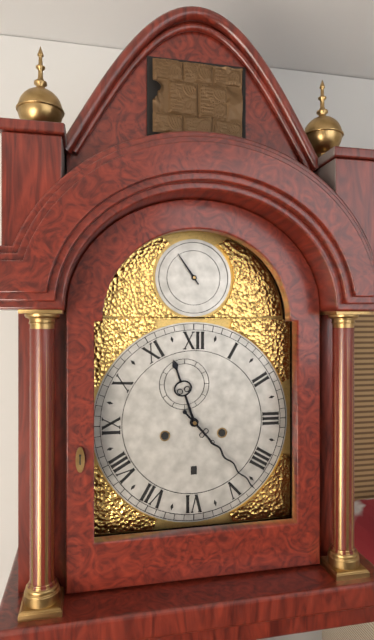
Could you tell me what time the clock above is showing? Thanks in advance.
11:23
